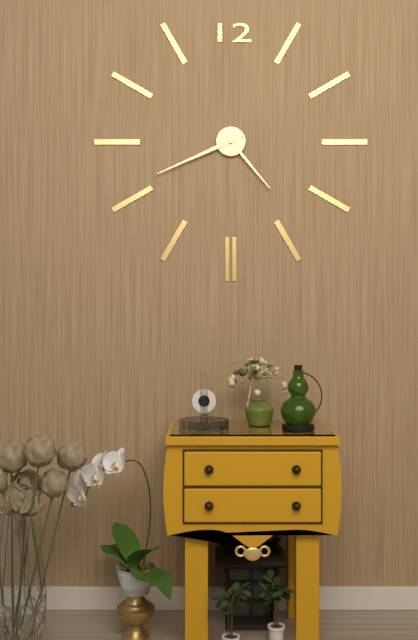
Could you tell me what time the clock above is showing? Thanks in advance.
4:41
